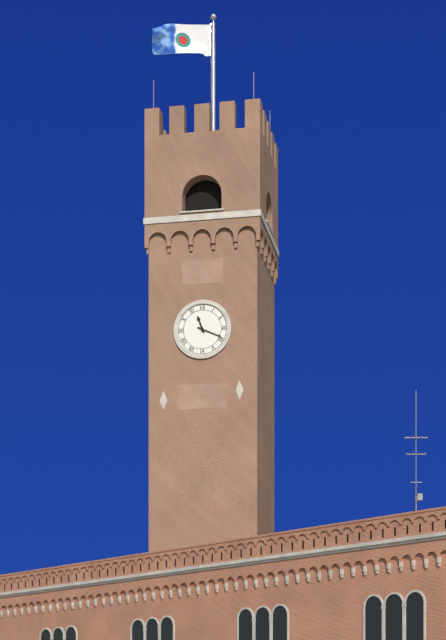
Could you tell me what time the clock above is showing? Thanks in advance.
11:19
